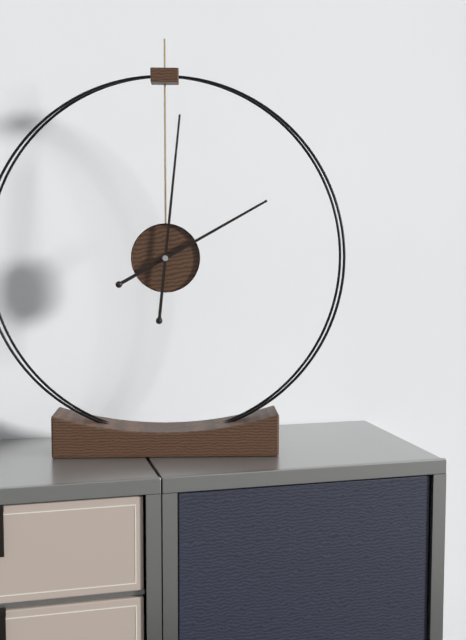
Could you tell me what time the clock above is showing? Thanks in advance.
2:01
